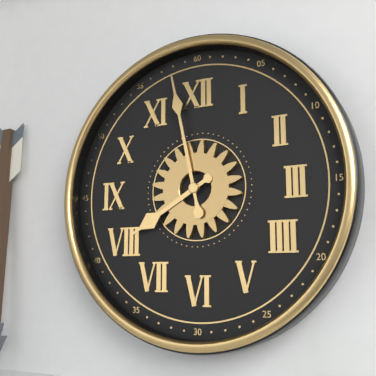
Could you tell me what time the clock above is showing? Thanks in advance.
7:58
